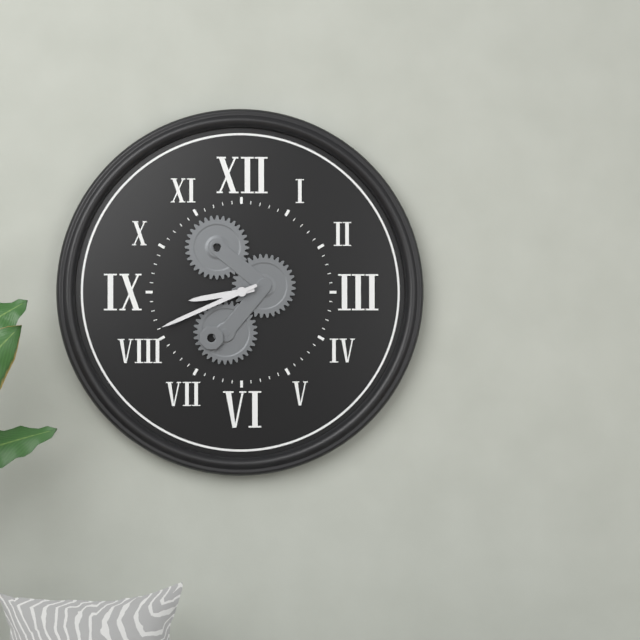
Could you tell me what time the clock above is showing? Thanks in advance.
8:41
